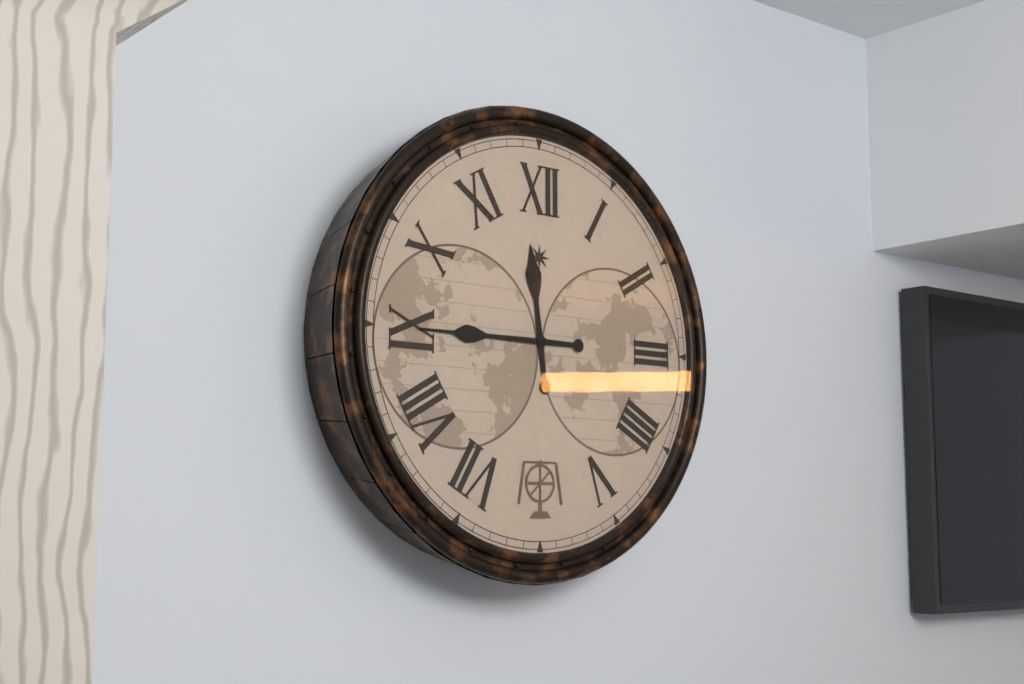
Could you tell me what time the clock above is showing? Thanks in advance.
11:45
